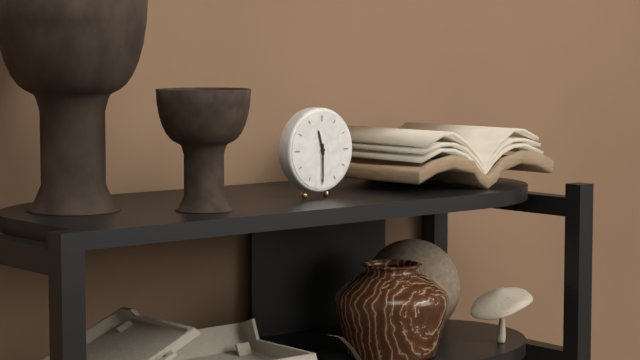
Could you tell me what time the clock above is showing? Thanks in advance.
11:30
